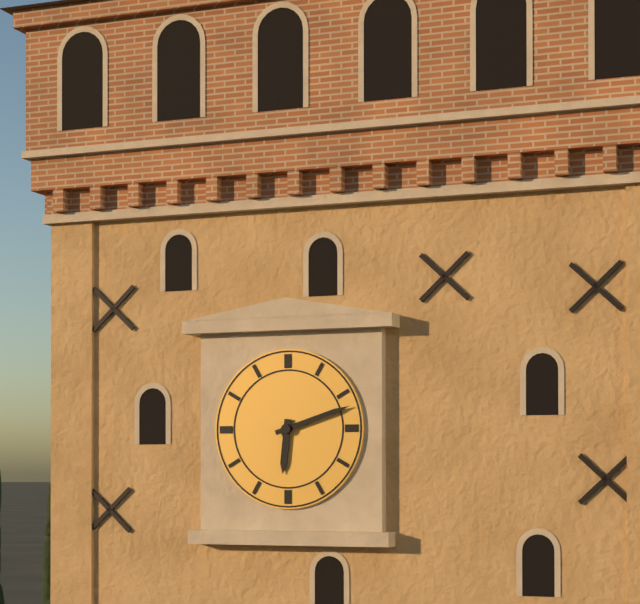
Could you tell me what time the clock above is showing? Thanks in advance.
6:12
